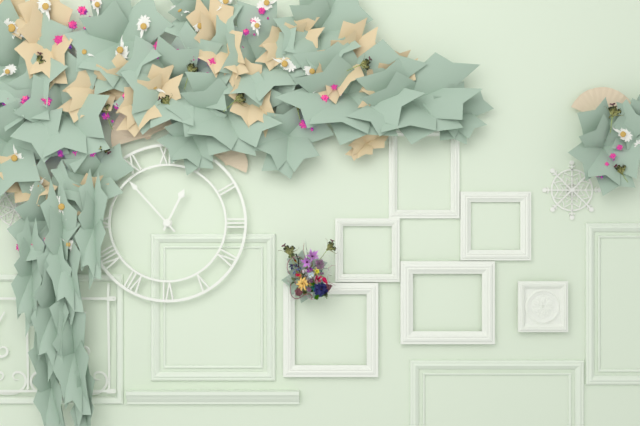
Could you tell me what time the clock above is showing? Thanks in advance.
12:53
